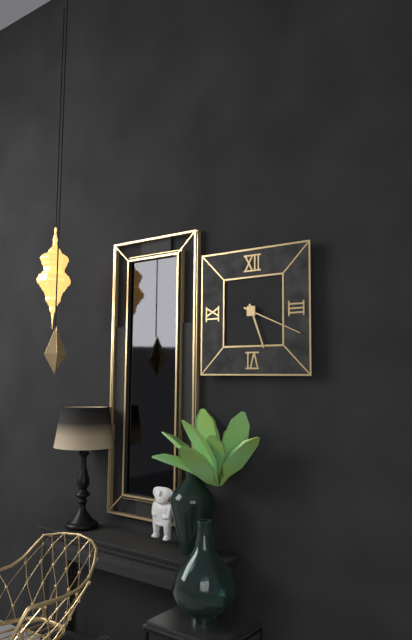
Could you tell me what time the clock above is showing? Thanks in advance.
5:19
